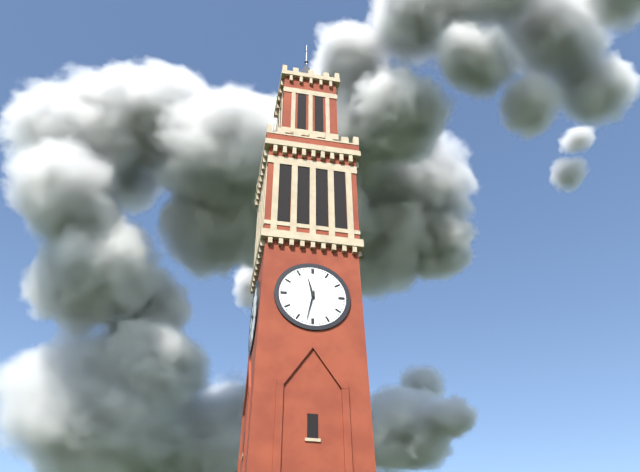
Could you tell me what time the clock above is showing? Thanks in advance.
11:32
